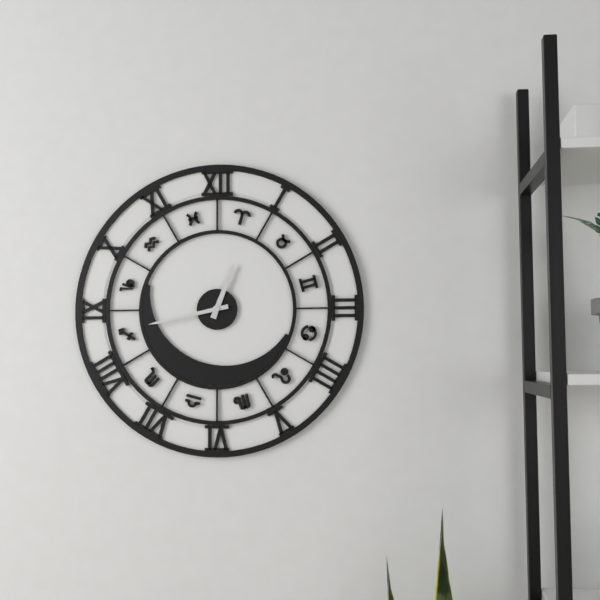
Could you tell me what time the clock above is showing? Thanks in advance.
12:43
